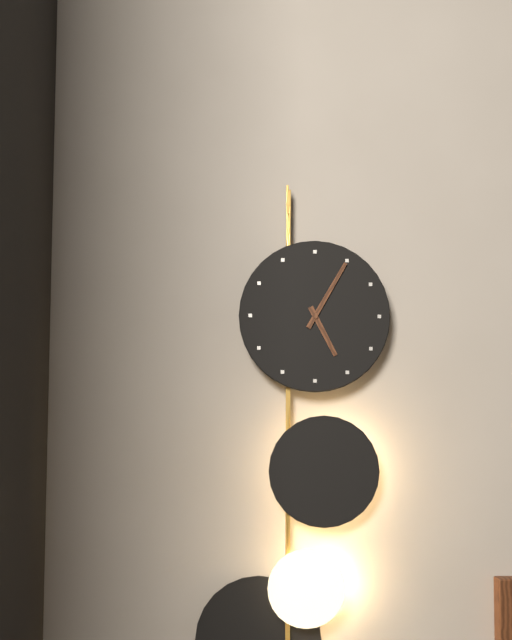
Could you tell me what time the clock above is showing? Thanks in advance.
5:05
